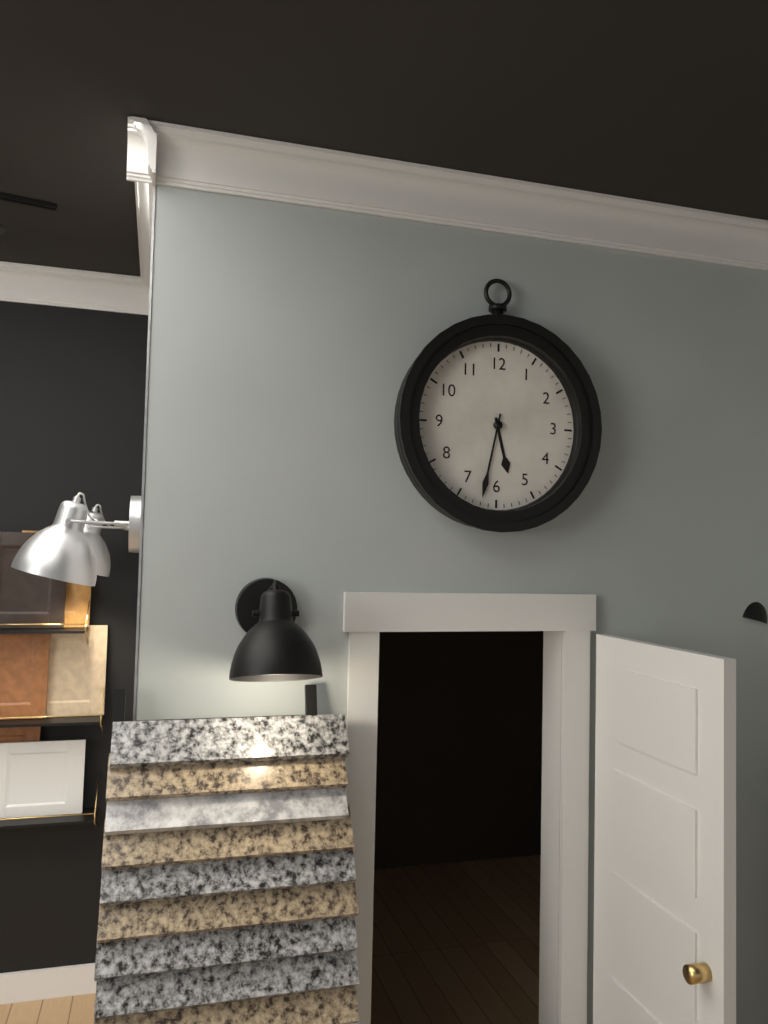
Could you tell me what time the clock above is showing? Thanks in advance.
5:32
